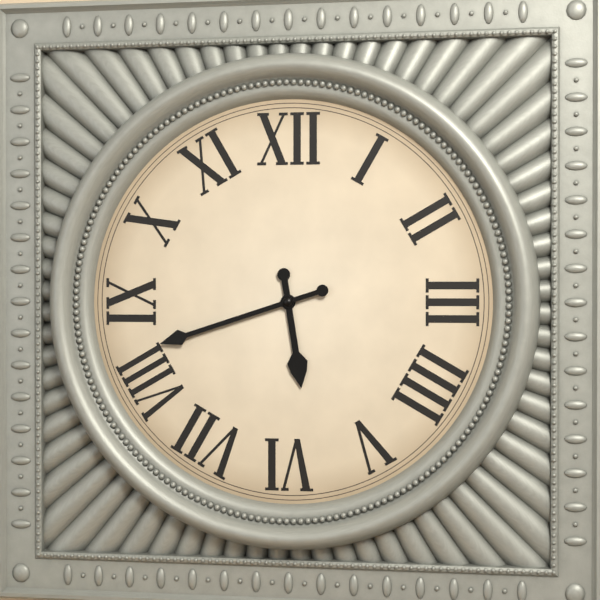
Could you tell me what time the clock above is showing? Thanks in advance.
5:42
